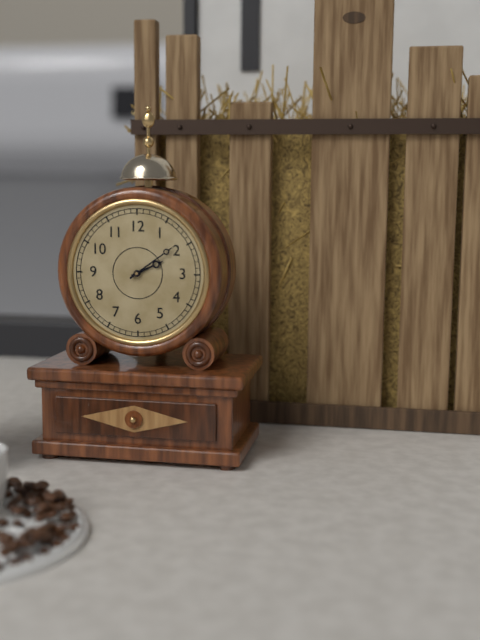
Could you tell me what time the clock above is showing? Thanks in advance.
2:09
